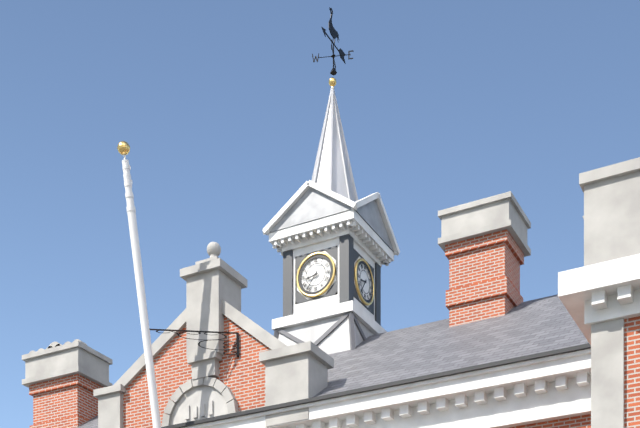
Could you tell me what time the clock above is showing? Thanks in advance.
8:36
